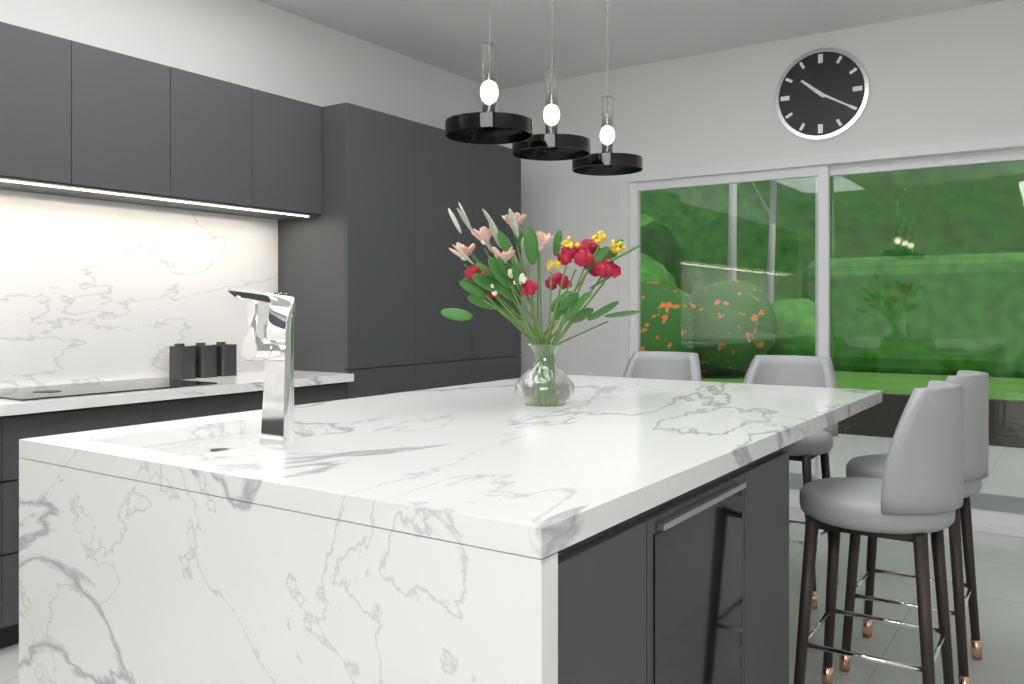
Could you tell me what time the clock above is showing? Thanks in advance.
10:20
